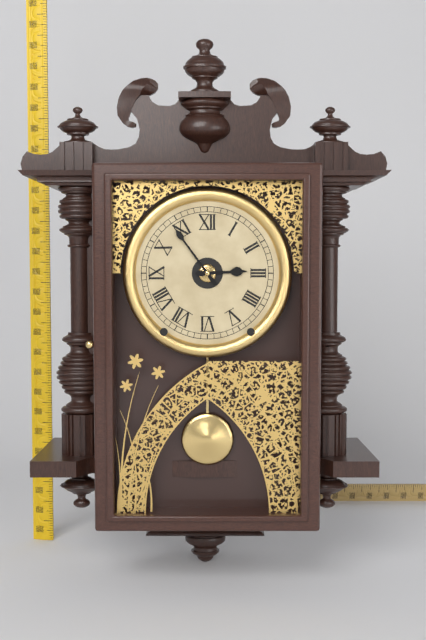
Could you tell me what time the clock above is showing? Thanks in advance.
2:54
